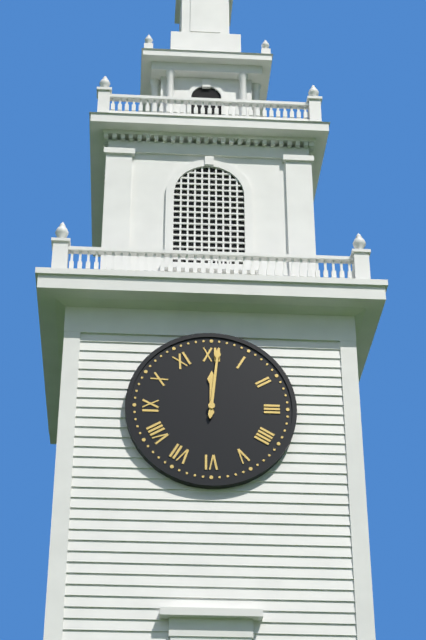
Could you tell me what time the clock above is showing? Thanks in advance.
12:01
